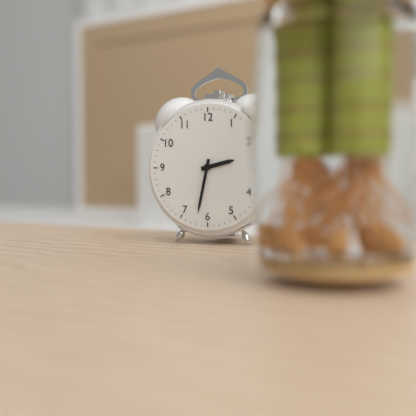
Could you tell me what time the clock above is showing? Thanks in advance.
2:32
